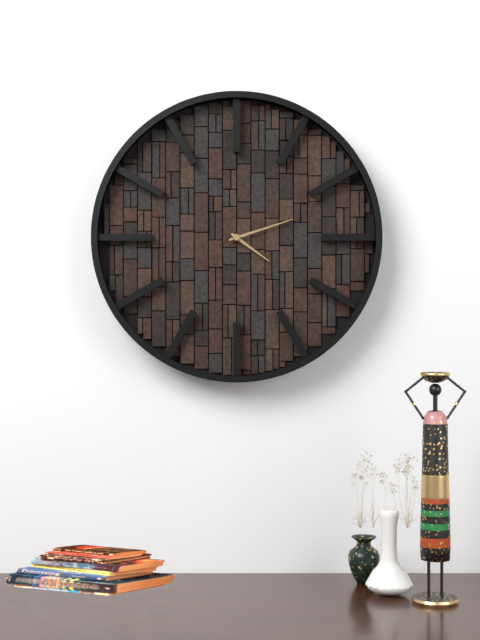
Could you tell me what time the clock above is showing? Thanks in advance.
4:12
